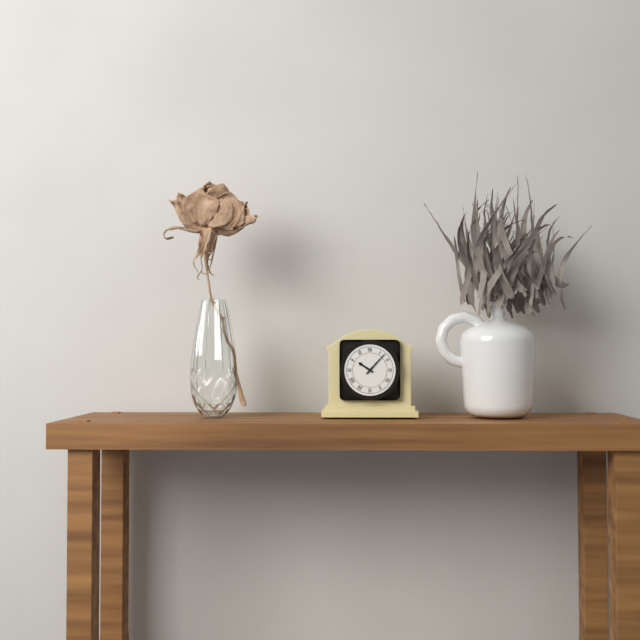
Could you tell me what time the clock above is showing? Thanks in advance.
10:07
